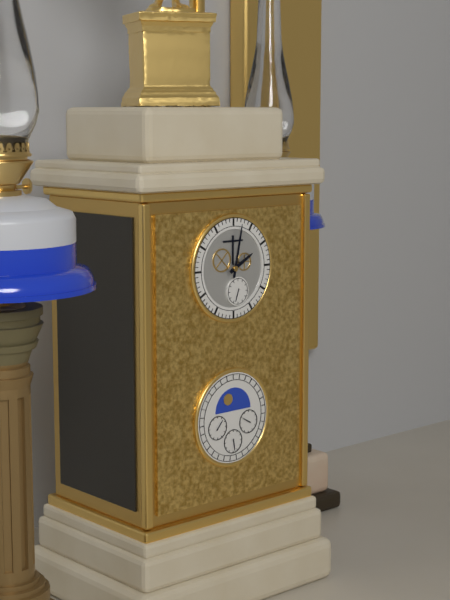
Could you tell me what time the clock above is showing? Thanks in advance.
2:02
